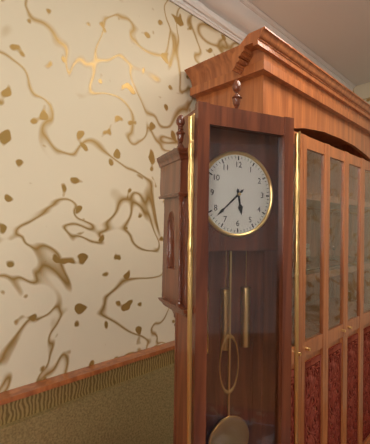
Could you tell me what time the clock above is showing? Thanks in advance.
5:38
